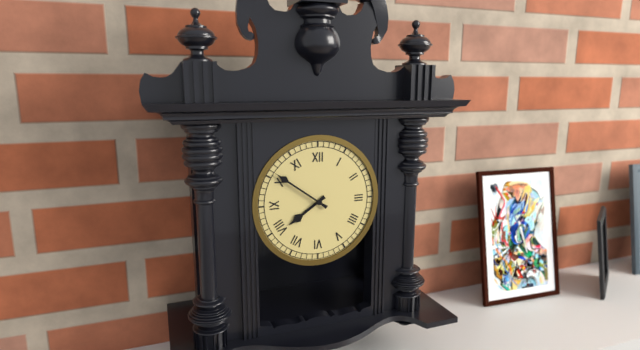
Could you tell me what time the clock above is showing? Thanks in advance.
7:51
